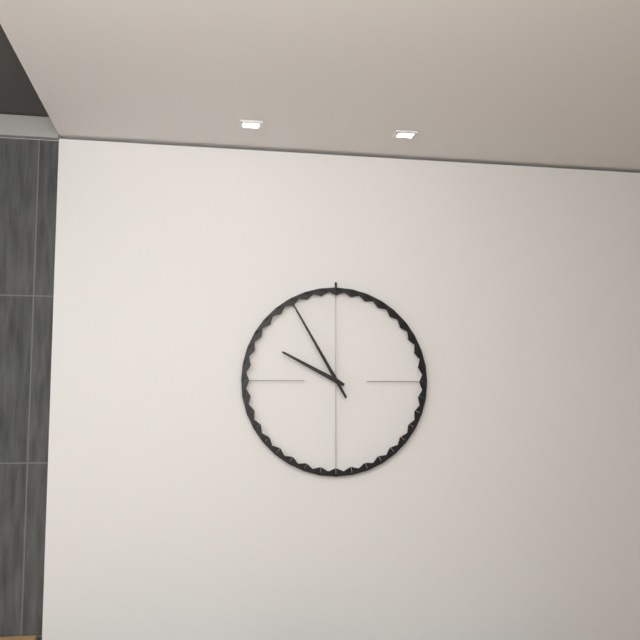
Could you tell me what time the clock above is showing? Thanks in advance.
9:55
